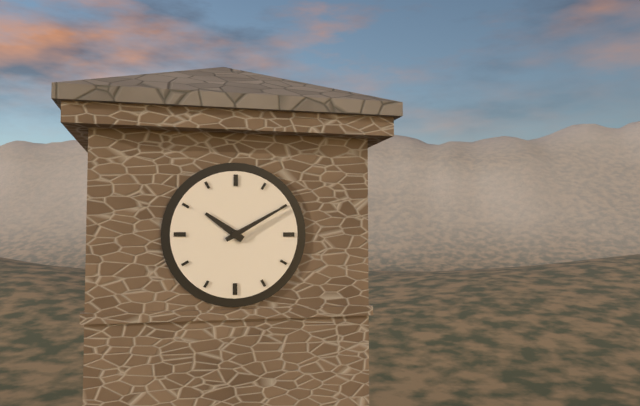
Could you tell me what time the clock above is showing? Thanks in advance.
10:10
